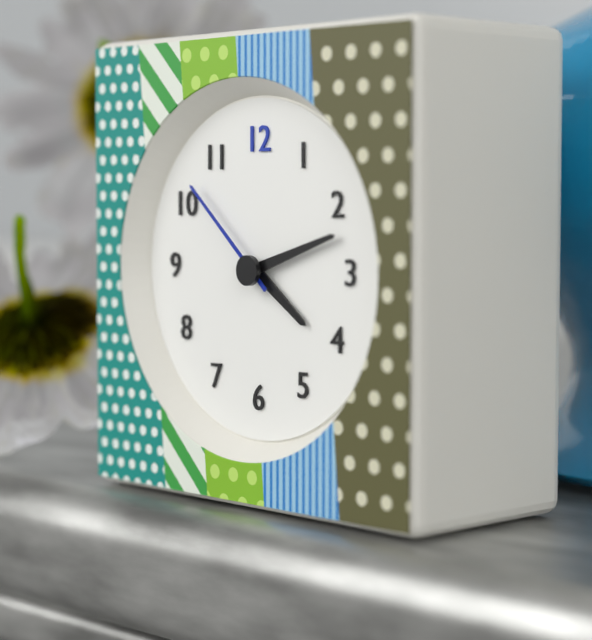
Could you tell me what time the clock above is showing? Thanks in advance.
4:12:52
